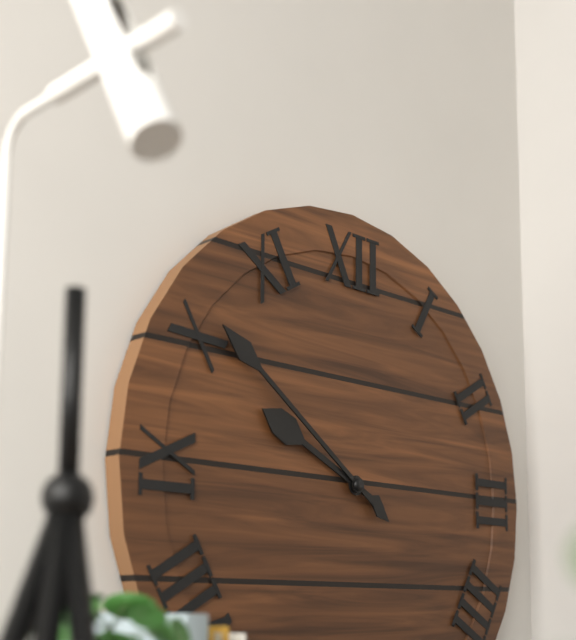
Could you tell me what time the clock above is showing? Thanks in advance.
9:51
